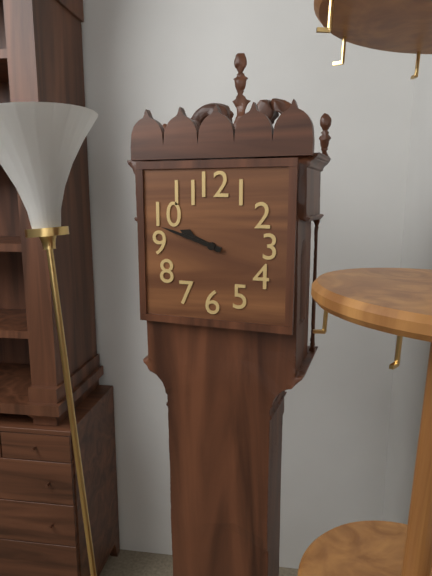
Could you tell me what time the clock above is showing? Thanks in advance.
9:48
